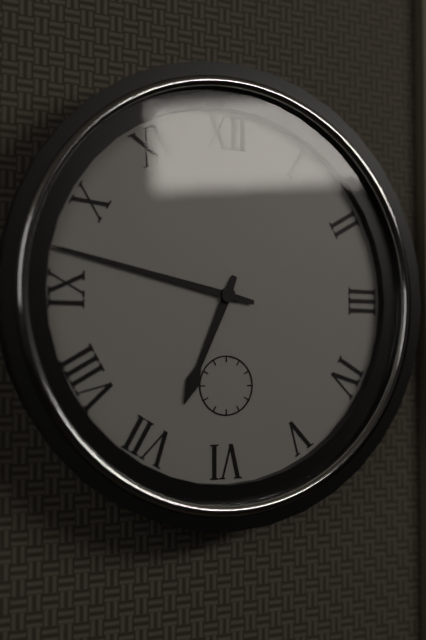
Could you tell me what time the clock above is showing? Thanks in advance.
6:47
